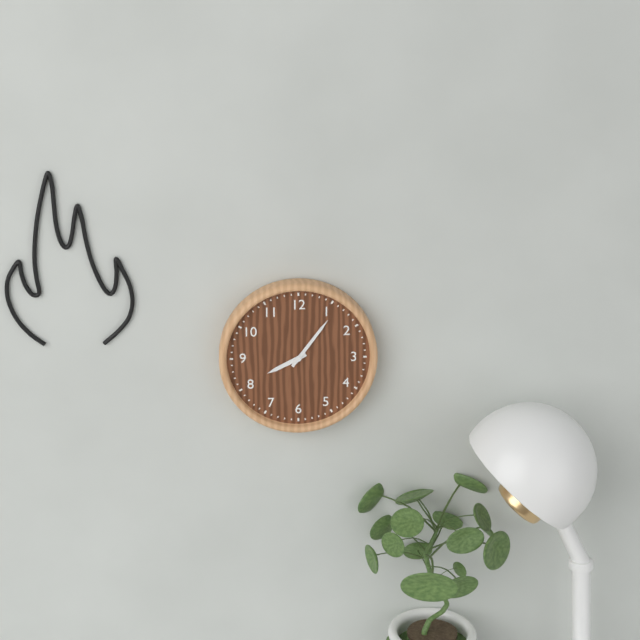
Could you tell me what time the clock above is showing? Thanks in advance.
8:06
